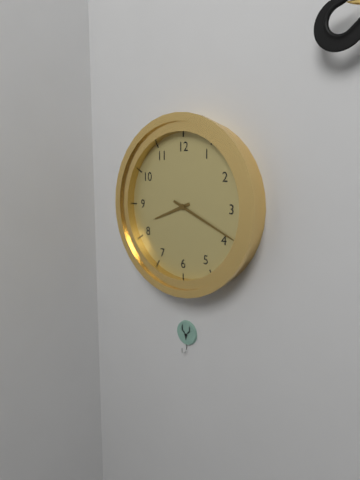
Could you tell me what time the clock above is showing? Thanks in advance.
8:19
